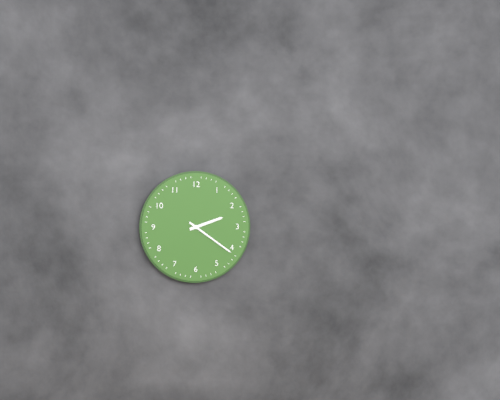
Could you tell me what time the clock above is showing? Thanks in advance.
2:21
